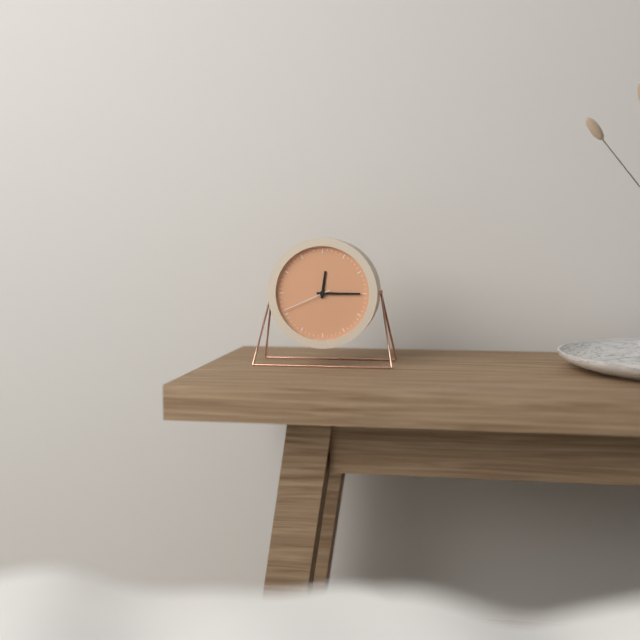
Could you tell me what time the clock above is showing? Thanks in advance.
12:15:41
